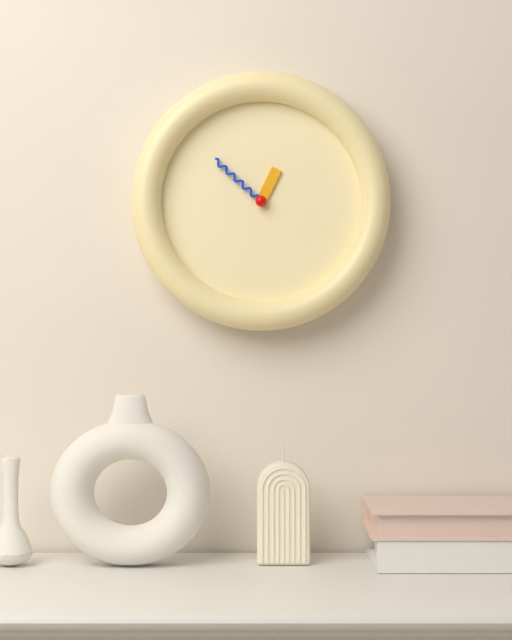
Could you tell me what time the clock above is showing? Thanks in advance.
12:52
